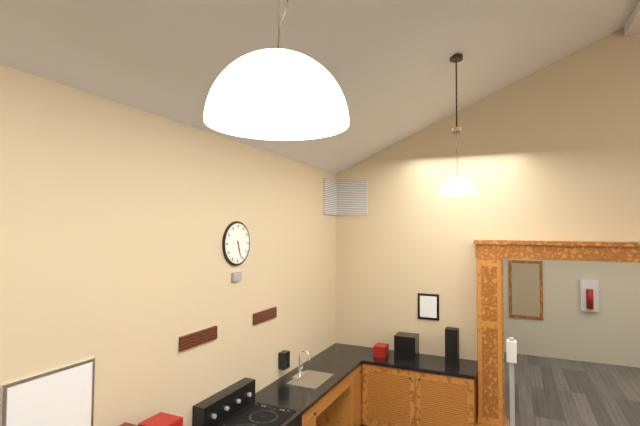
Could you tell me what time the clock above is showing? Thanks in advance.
5:27
